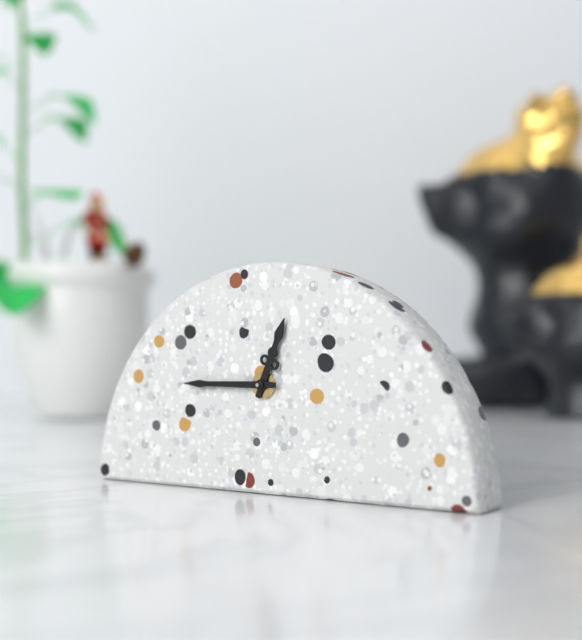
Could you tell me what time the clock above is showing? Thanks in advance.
12:45
